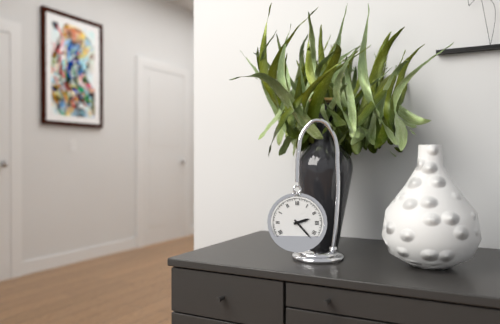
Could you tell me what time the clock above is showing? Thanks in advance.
2:23
